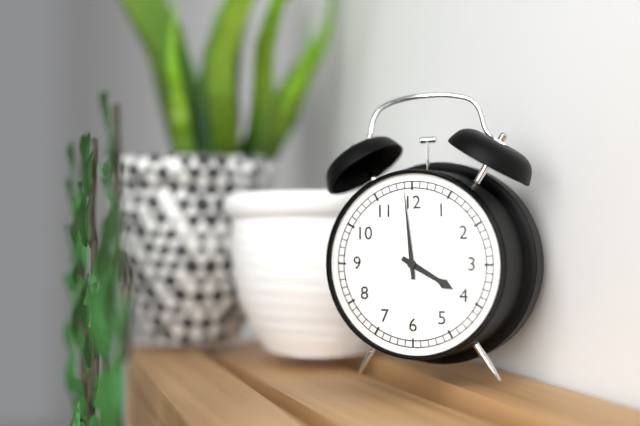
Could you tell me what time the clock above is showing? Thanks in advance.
3:59
